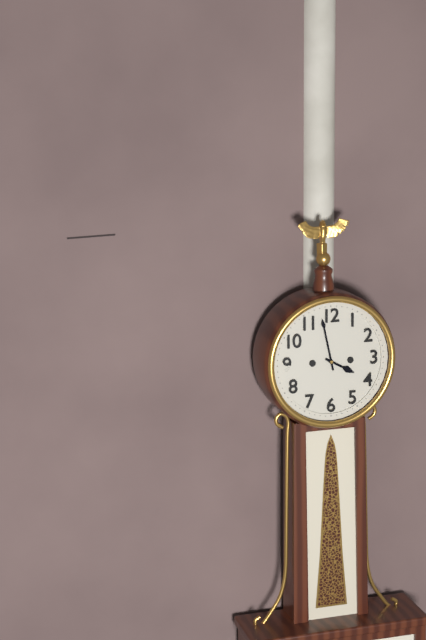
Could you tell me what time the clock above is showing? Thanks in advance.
3:58
